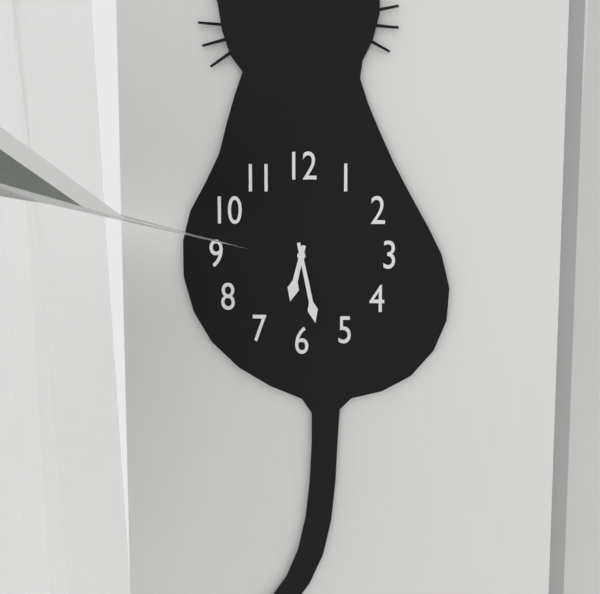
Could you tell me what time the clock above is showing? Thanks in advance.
6:28
